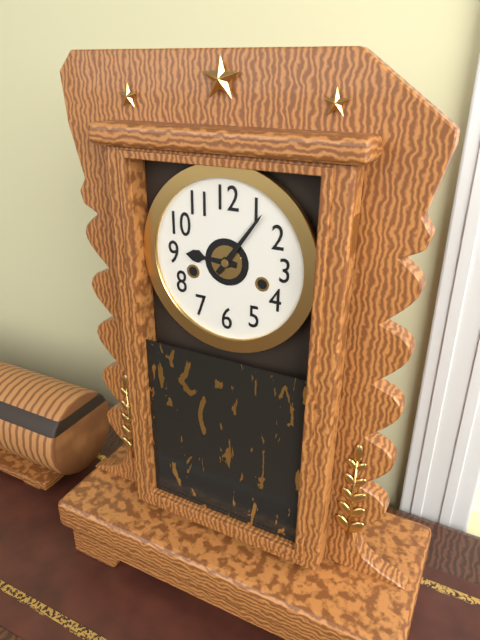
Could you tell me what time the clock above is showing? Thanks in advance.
9:06
